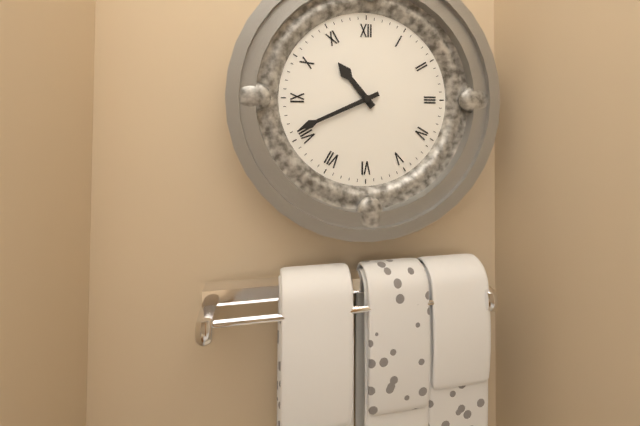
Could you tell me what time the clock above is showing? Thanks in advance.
10:41
